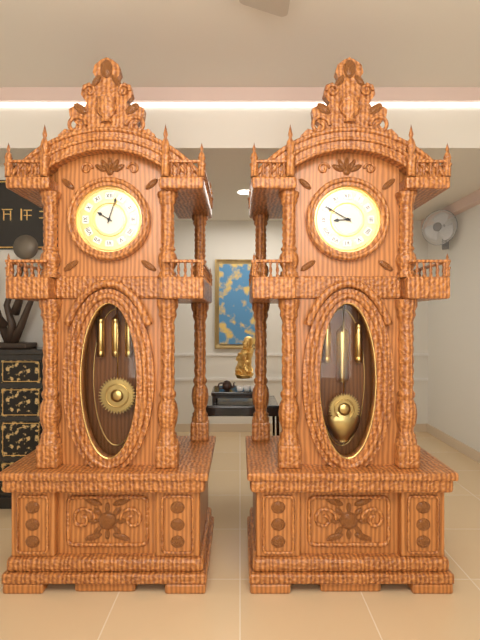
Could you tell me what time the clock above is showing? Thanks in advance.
10:03
